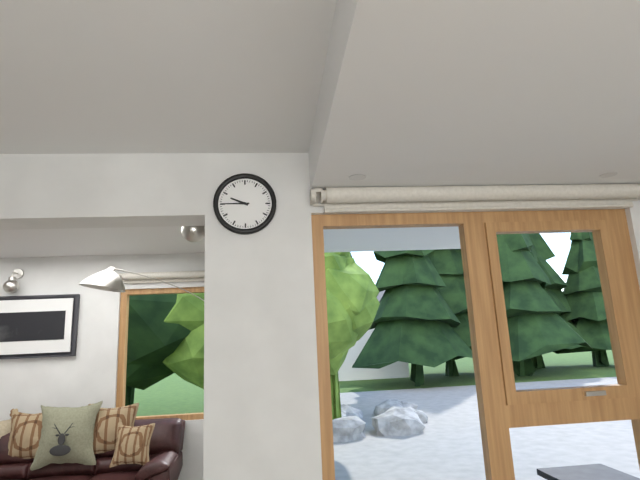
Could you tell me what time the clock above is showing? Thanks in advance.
9:45
